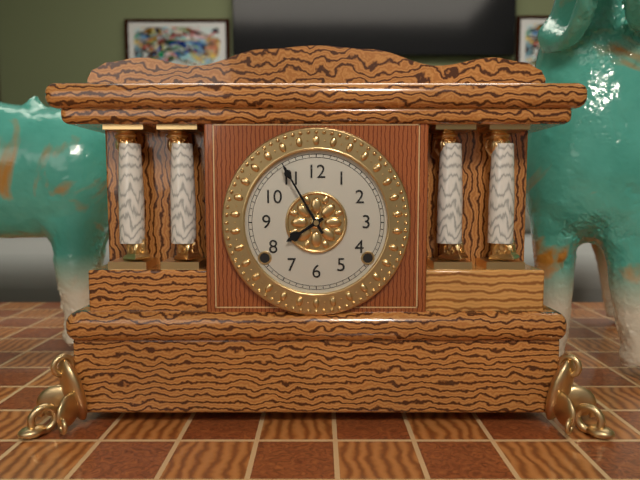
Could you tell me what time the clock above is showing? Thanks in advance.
7:55
